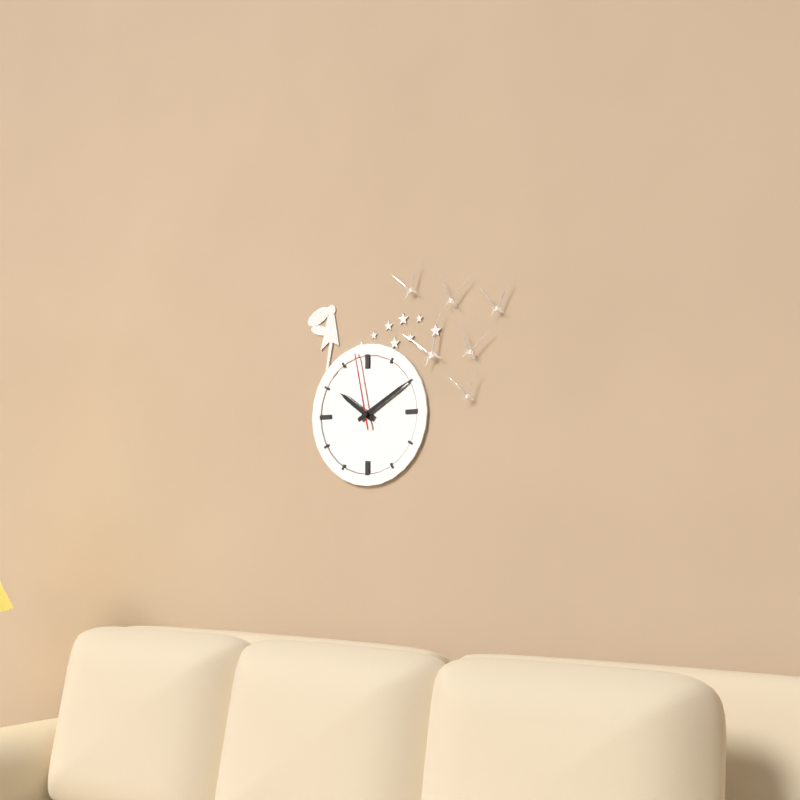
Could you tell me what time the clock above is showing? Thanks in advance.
10:10:58
